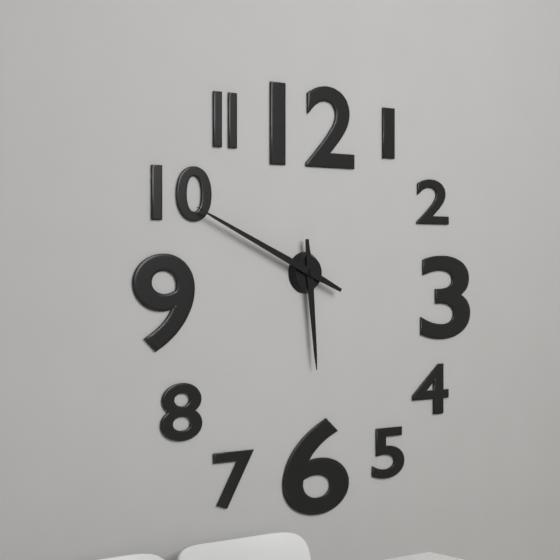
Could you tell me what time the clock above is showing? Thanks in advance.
5:49
